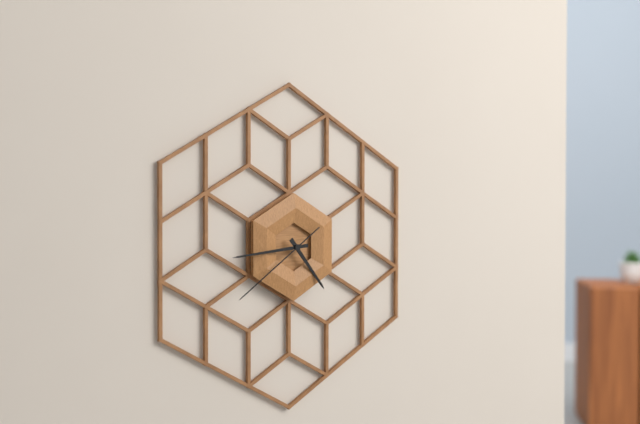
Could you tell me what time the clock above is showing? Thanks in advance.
4:44:39
